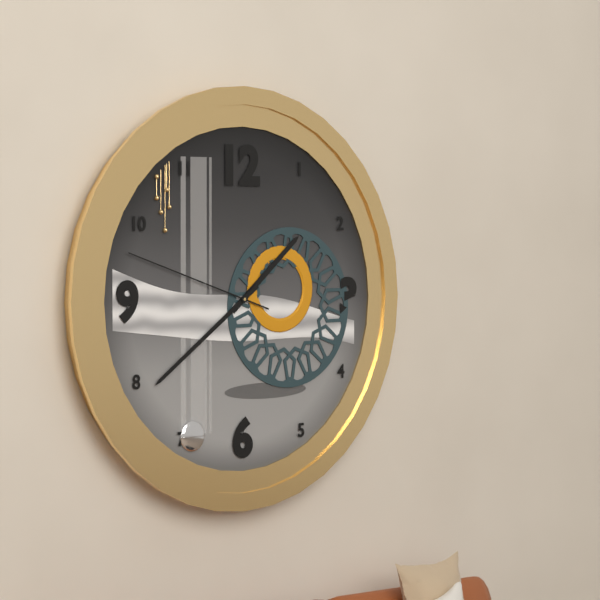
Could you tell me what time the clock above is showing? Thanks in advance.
1:39:48
